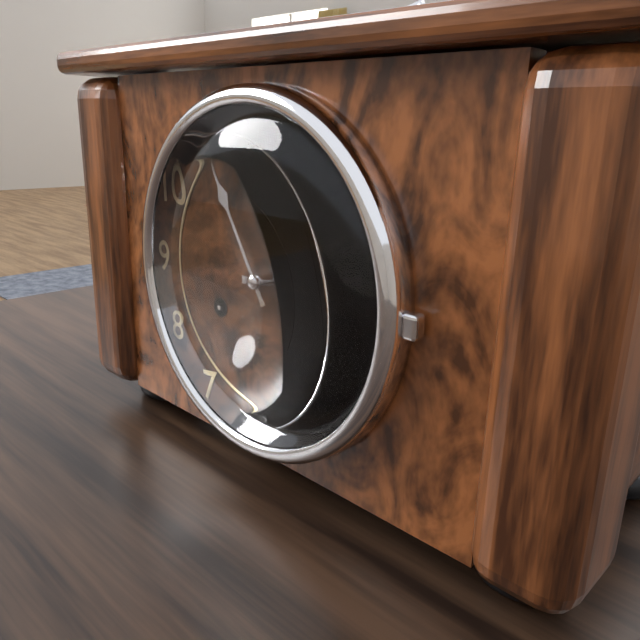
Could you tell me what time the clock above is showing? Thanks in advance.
2:55
